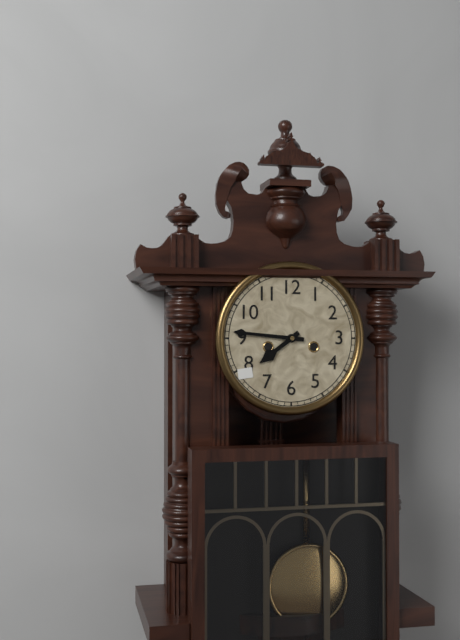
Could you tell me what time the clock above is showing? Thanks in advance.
7:46
